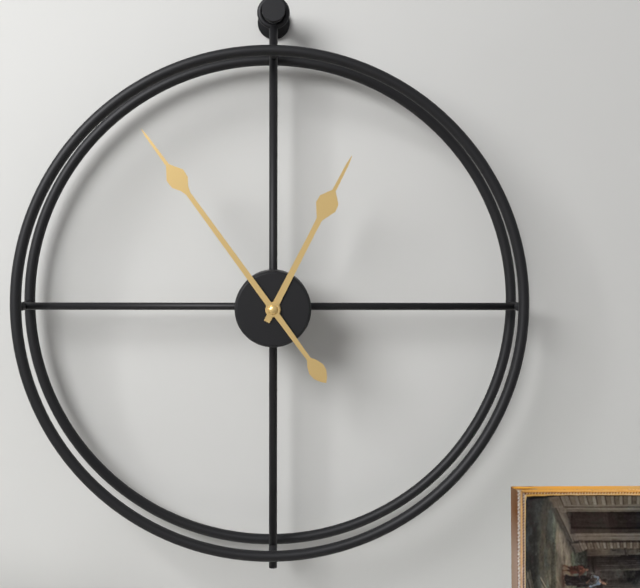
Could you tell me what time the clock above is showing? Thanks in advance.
12:54
